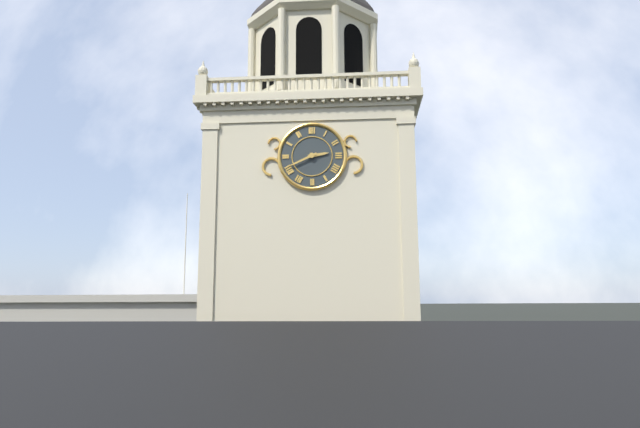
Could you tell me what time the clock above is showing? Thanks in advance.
2:41
